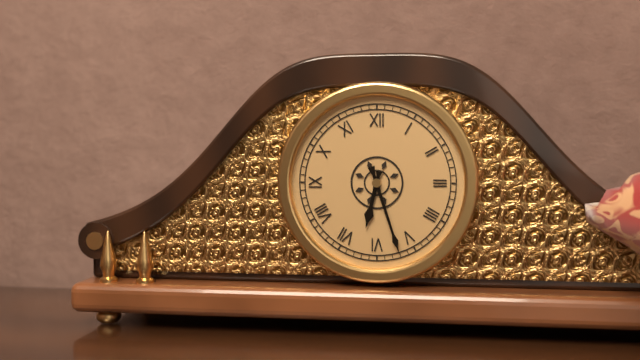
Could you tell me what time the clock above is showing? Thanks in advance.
6:27
